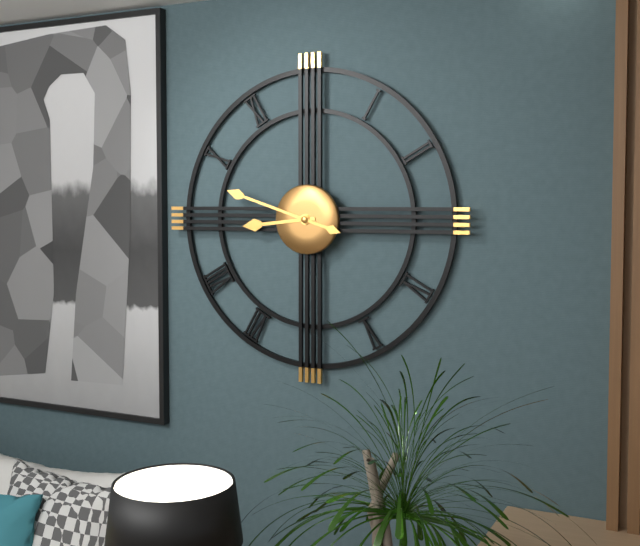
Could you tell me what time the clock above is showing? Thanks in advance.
8:48
